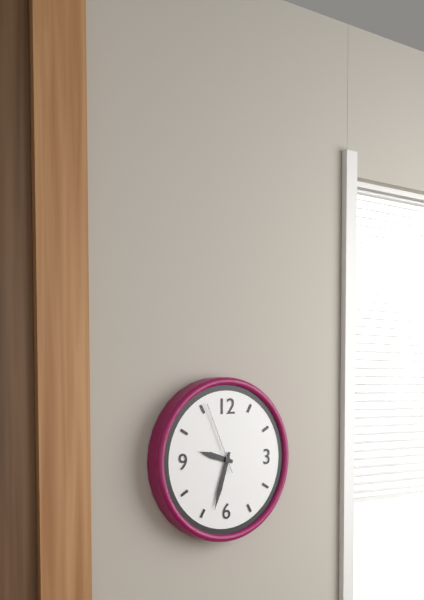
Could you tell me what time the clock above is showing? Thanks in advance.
9:33:56
